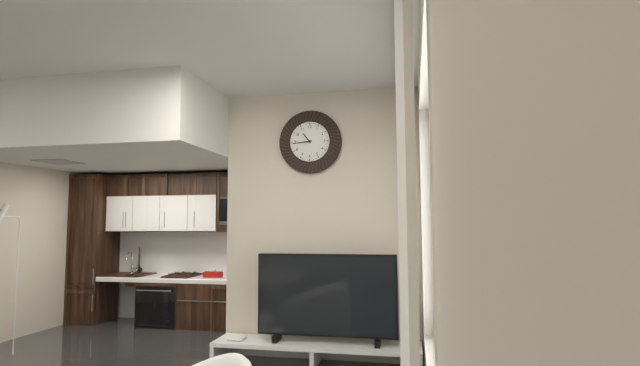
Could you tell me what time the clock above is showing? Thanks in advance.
10:44
